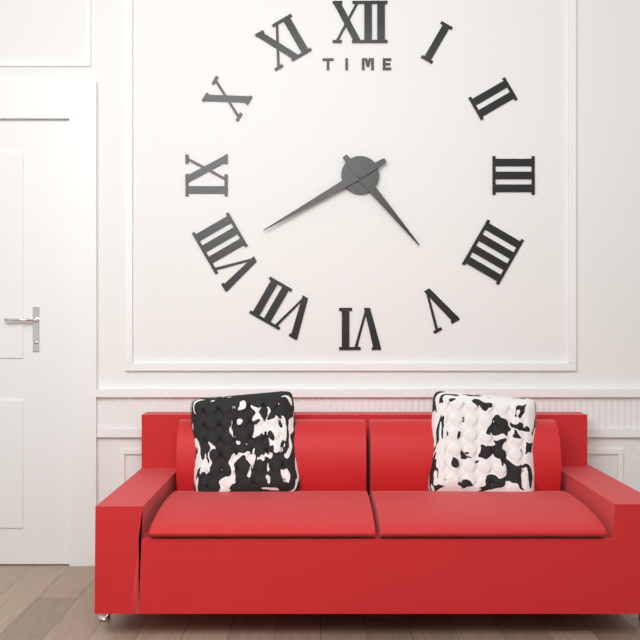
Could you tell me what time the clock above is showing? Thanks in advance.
4:40
